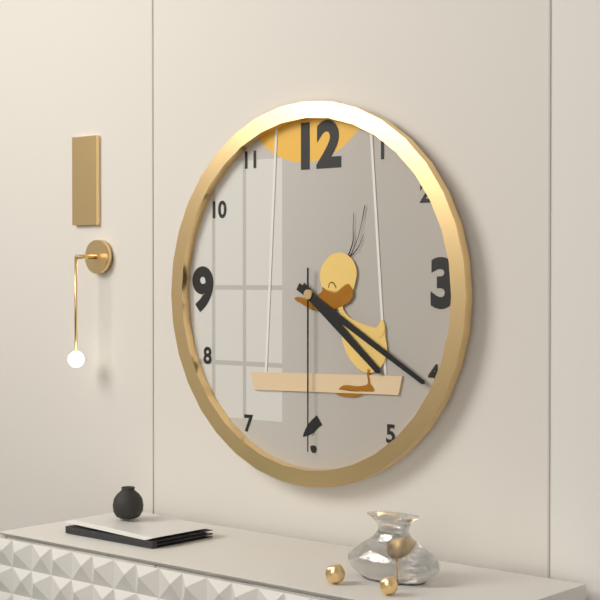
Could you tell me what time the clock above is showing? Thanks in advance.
4:20:30
